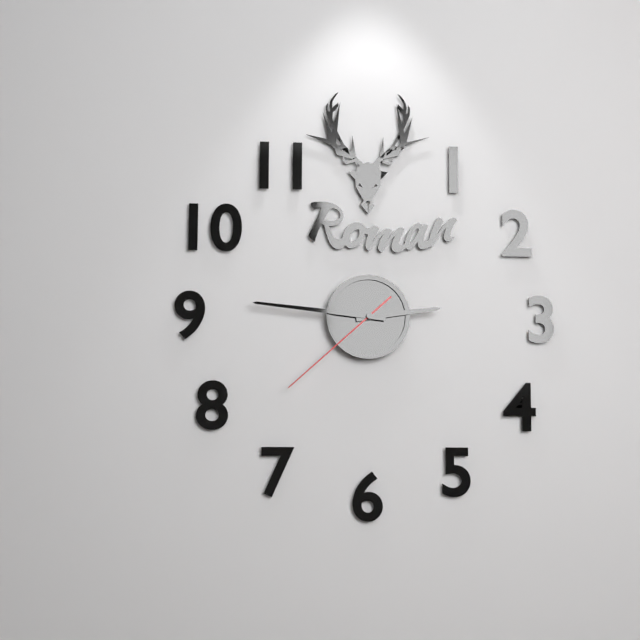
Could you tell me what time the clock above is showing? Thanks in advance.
2:46:38
